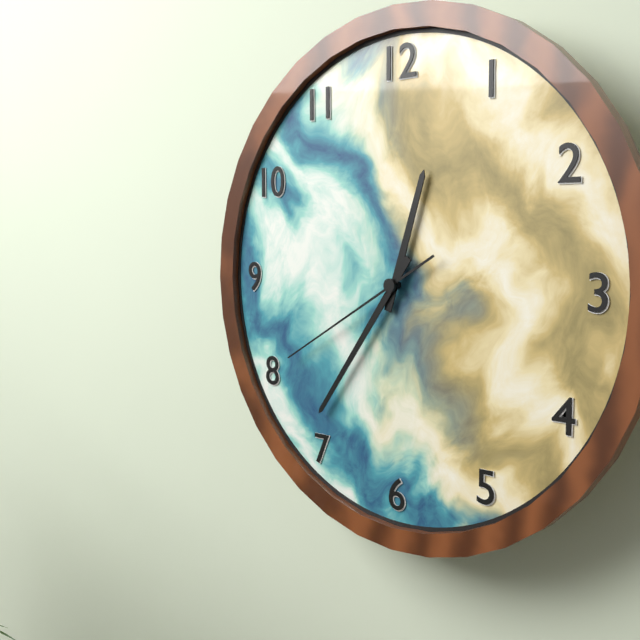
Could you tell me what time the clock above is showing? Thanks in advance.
12:36:40
